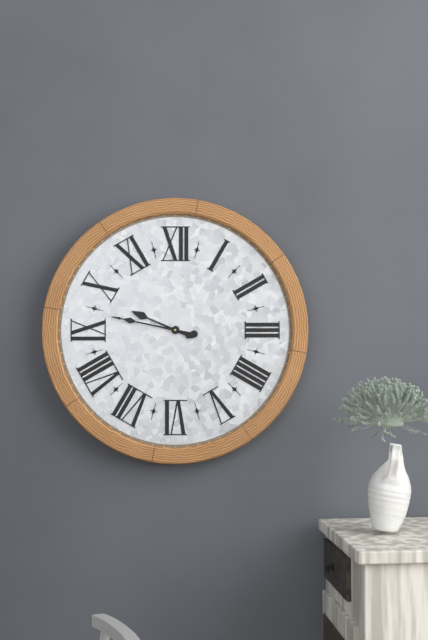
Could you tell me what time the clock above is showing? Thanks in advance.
9:47
